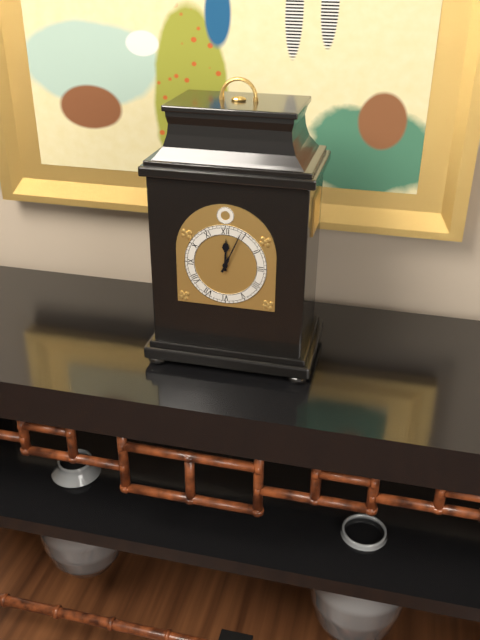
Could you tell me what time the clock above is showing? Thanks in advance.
12:04
